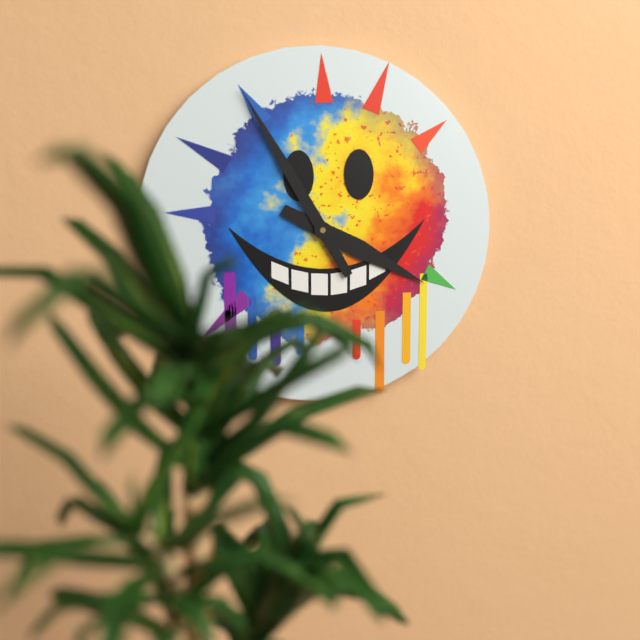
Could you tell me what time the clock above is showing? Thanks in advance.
3:55
